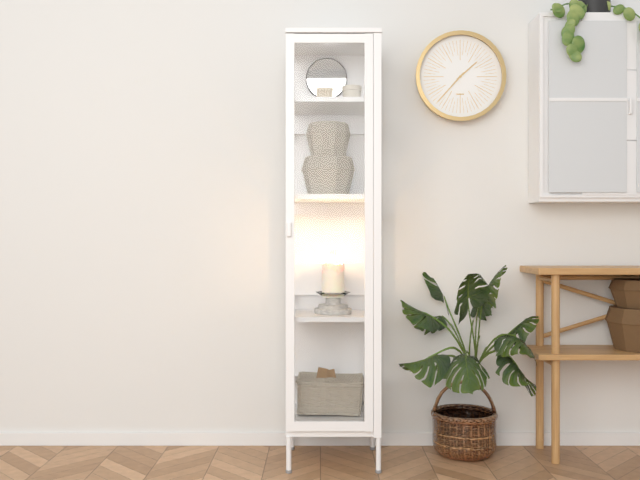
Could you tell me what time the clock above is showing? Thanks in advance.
1:37
